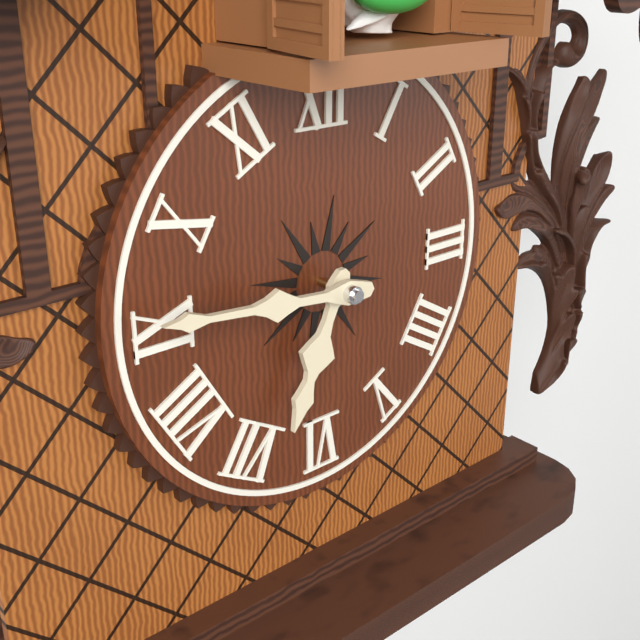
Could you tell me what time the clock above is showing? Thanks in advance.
6:46
